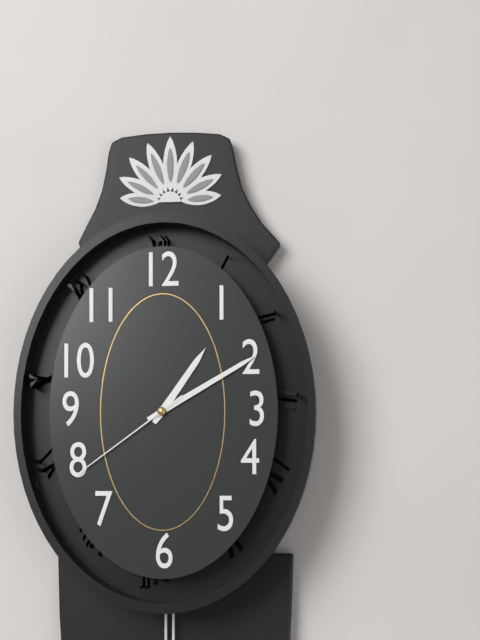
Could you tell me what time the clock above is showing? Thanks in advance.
1:10:39
